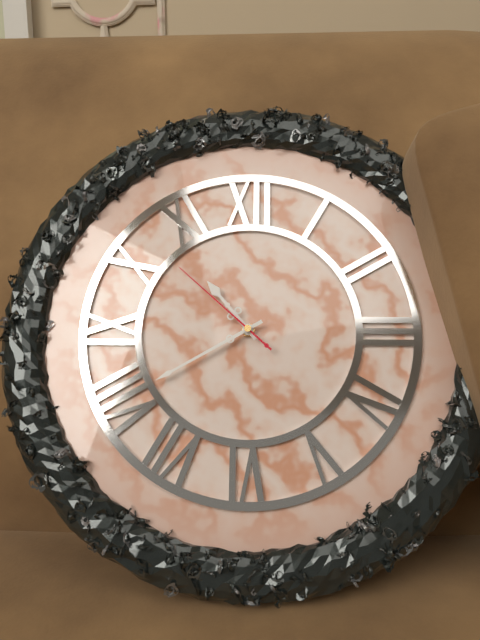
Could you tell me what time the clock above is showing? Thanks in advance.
10:40:52
